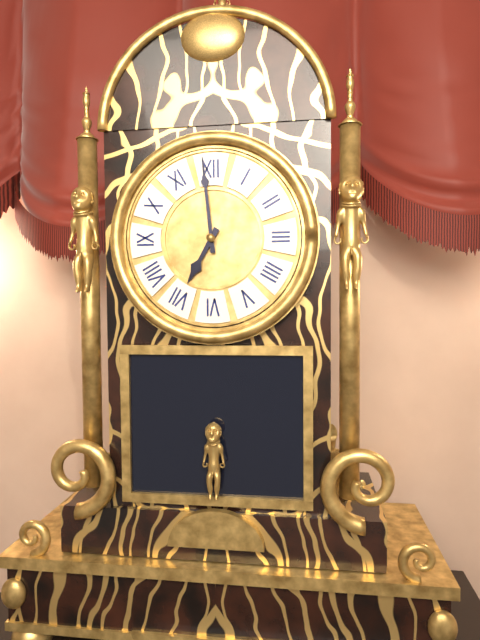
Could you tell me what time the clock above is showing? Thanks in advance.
6:59
